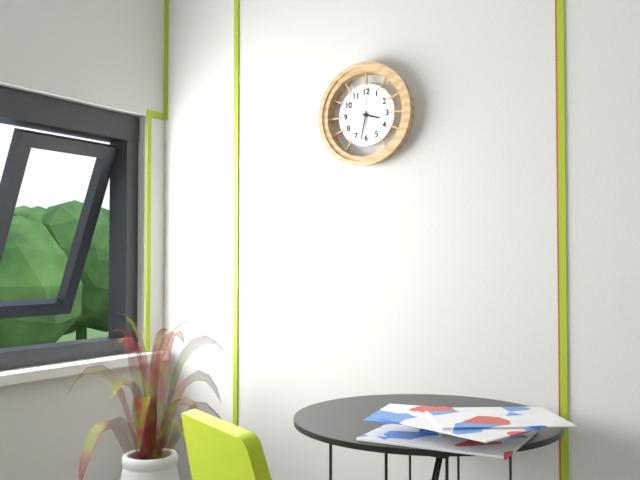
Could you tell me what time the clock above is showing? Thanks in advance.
3:32
